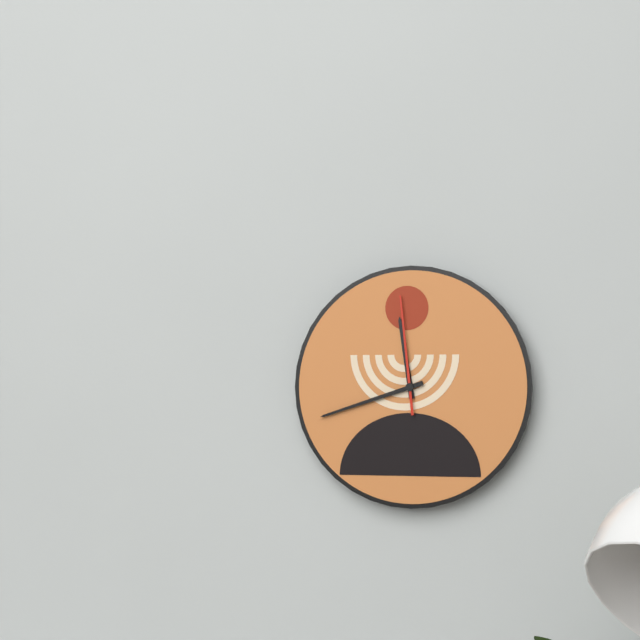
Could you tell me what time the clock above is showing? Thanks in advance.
11:42:59
